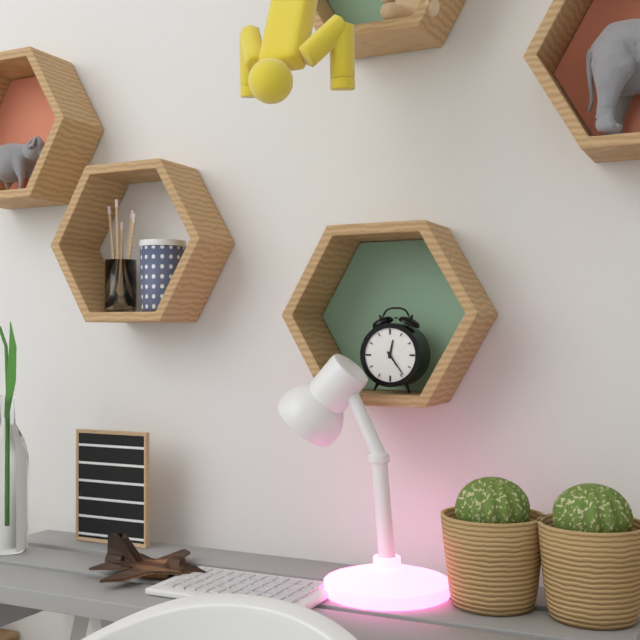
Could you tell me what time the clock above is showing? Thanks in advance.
12:24
